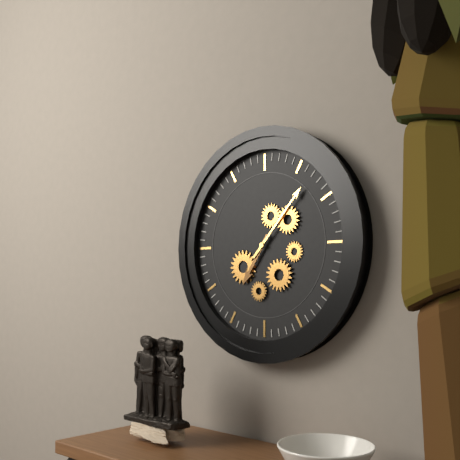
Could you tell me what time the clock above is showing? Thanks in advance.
7:07
